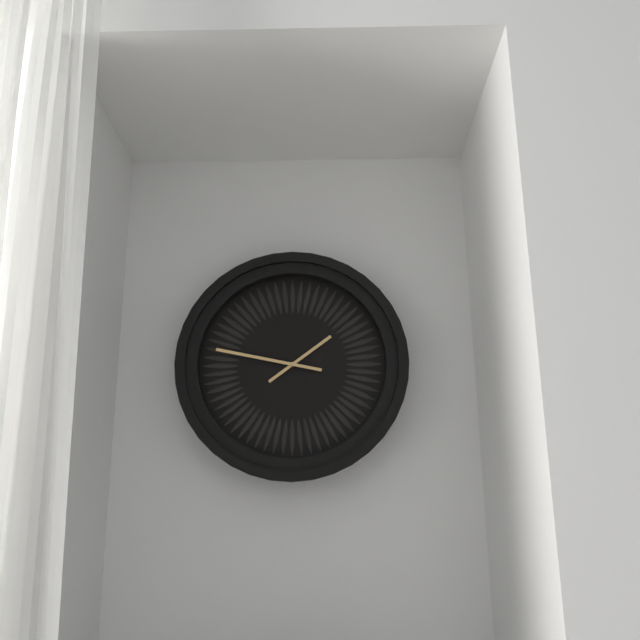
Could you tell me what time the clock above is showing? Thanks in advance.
1:47
